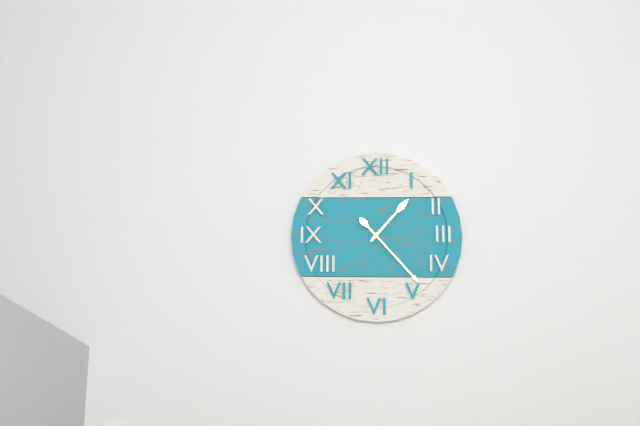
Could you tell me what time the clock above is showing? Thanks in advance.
1:23
